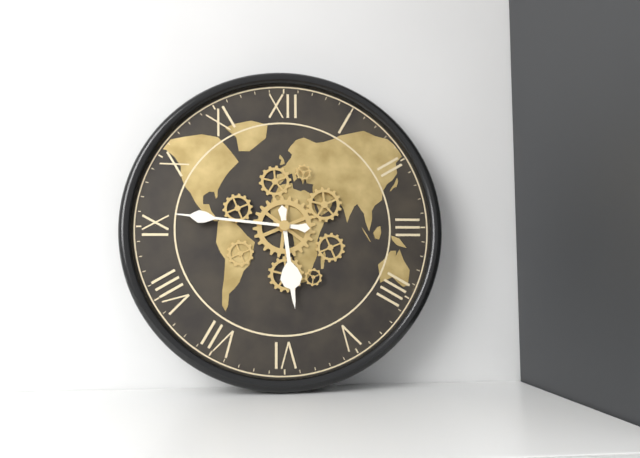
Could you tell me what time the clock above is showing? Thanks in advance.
5:46
